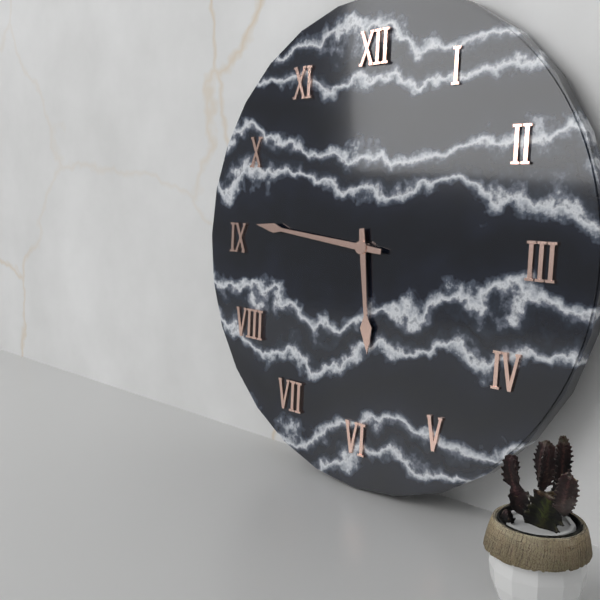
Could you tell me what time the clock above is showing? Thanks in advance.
5:46
